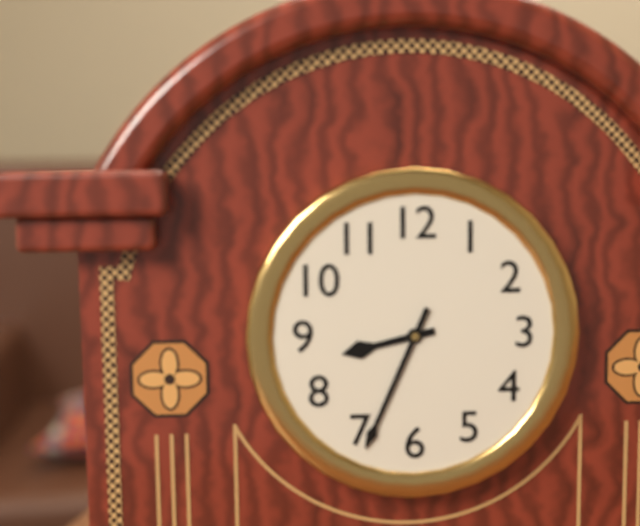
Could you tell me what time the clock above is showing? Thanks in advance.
8:34
